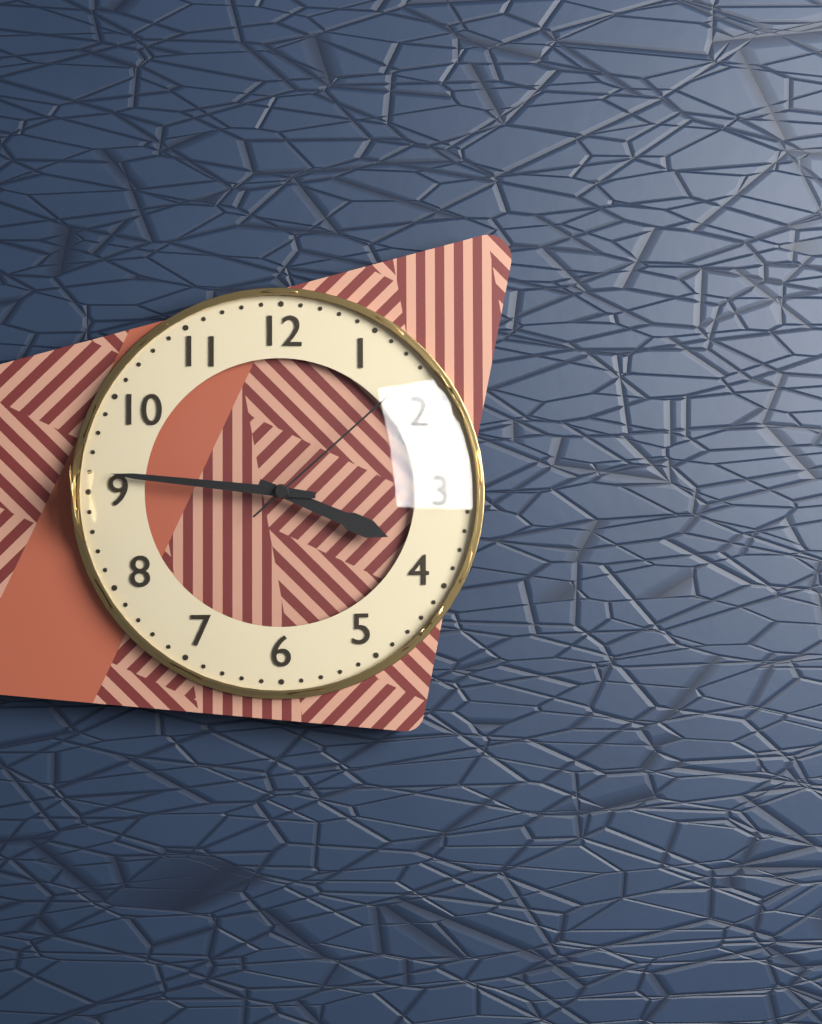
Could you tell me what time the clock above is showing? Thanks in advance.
3:46:08
